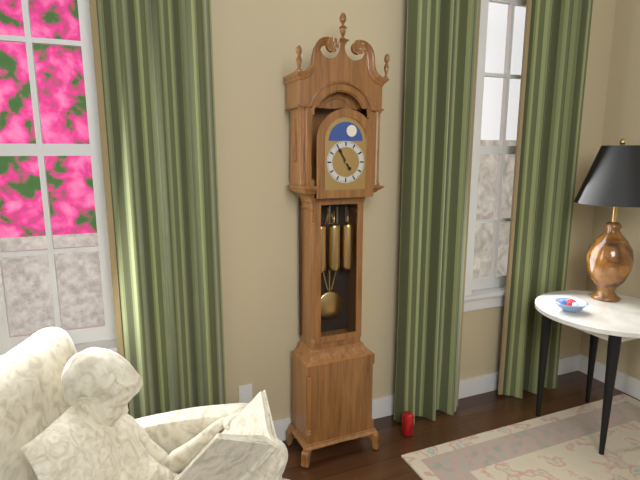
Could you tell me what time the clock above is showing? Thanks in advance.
4:55
